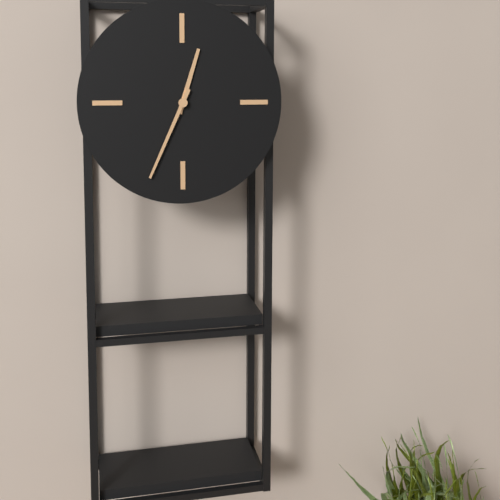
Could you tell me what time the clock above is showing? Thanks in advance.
12:34
